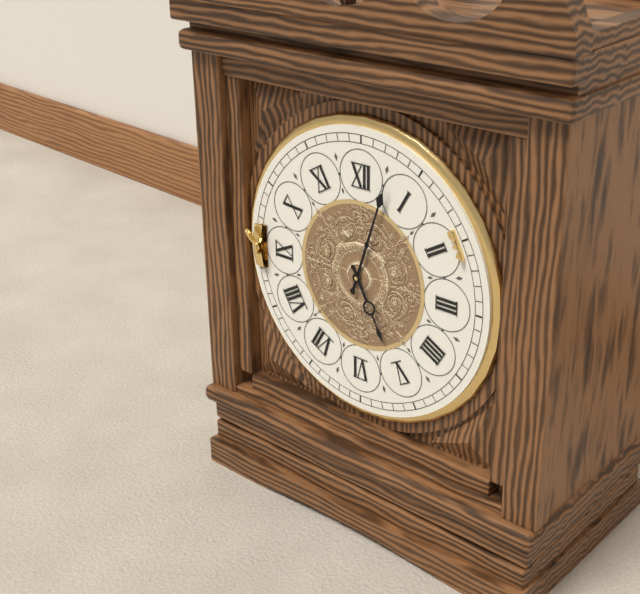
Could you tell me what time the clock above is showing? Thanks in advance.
5:03
